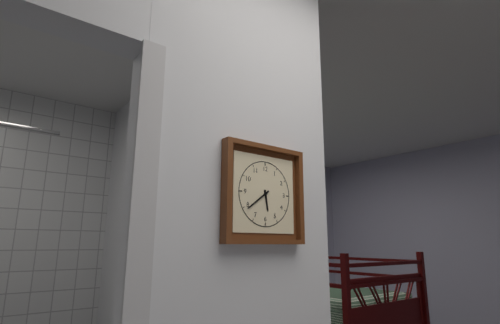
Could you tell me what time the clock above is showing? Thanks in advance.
5:39
